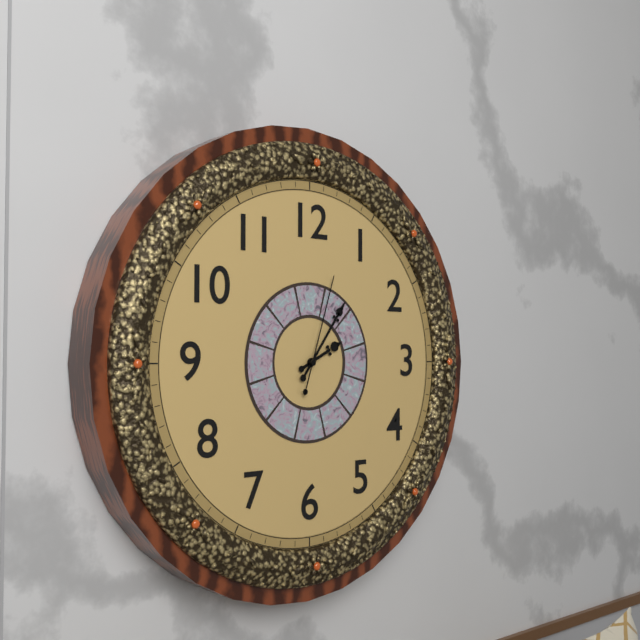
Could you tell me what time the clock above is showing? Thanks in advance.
2:06:03
